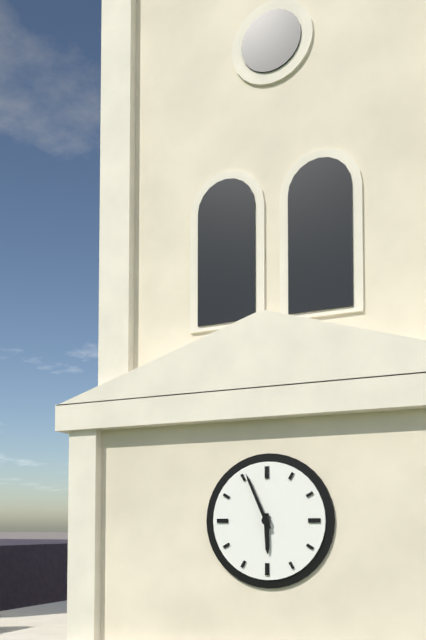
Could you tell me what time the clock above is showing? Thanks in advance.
5:56
